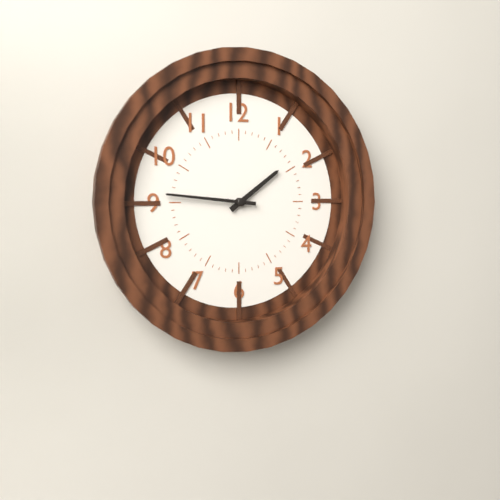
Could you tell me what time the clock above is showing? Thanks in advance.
1:46
